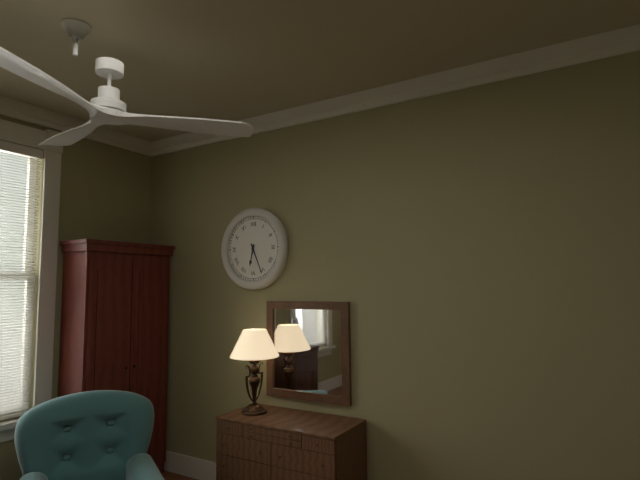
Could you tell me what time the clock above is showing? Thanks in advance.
6:26
